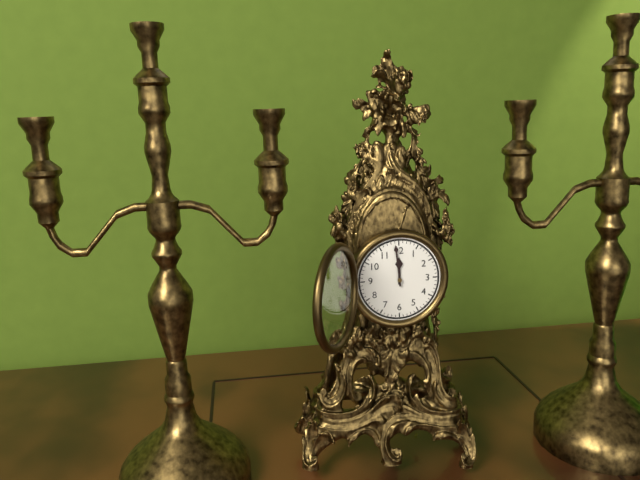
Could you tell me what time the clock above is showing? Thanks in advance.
11:59
